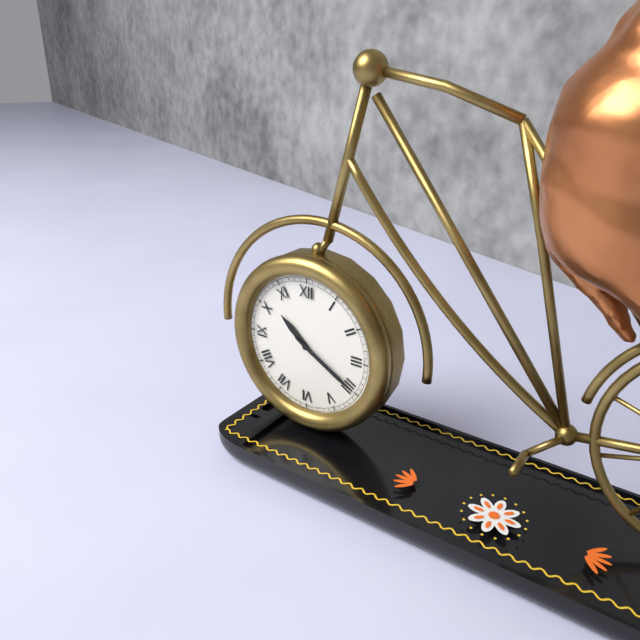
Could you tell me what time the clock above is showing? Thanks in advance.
10:20
